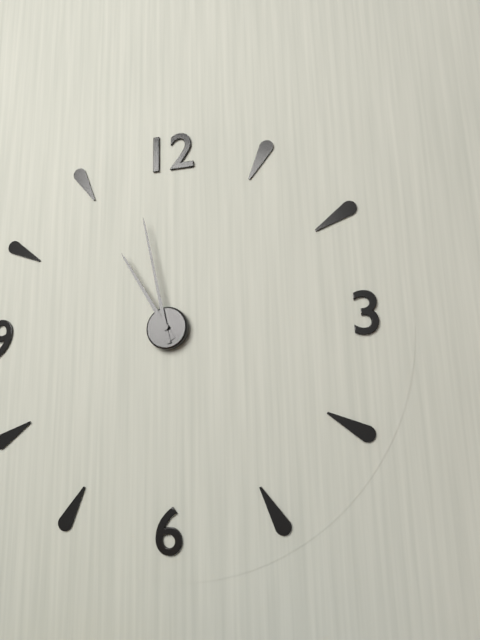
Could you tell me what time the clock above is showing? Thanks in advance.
10:58
